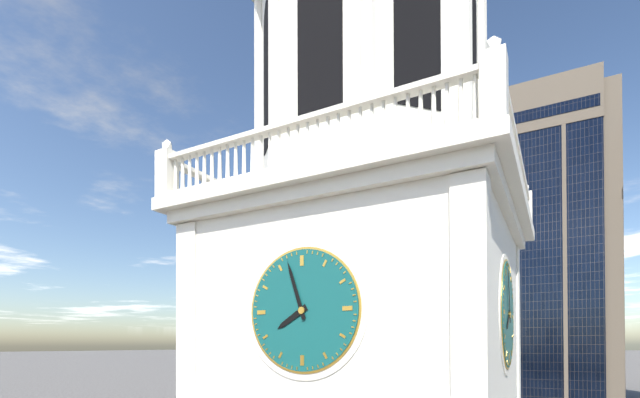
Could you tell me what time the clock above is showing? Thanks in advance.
7:57
